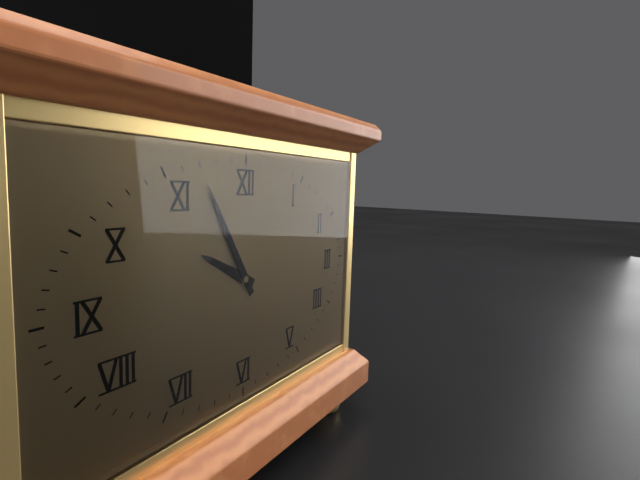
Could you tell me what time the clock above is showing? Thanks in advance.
9:55
